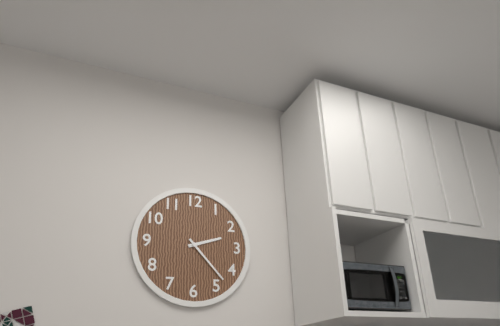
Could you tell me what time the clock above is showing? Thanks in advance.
2:23
